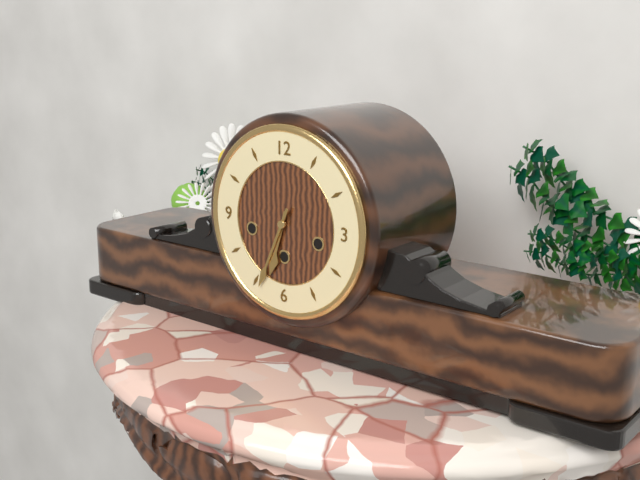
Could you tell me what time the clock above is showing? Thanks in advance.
6:34
